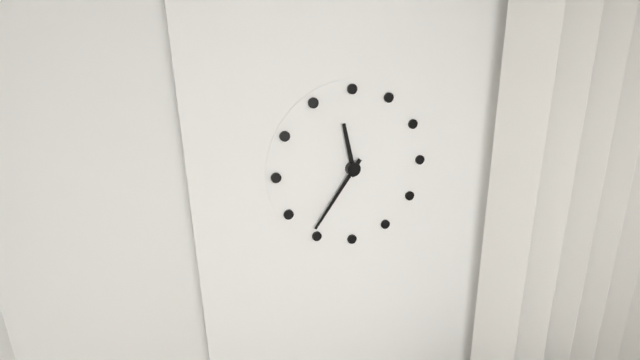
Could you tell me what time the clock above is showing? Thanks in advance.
11:36
